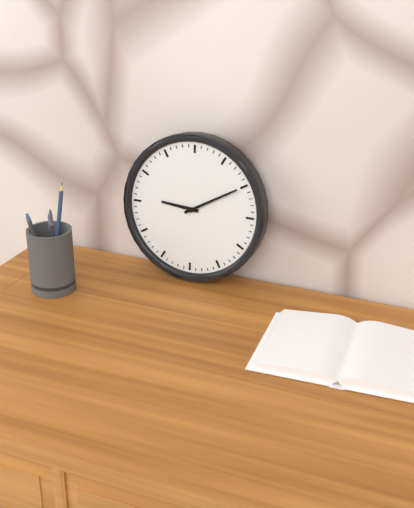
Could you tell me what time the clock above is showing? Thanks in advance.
9:10
